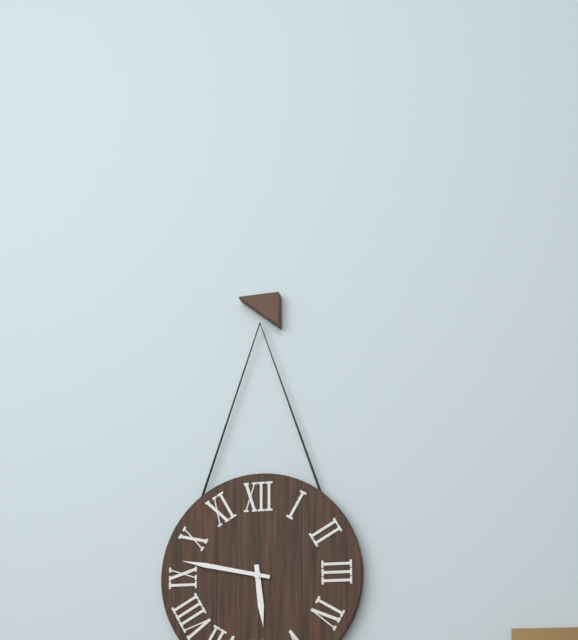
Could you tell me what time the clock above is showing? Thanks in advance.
5:47
